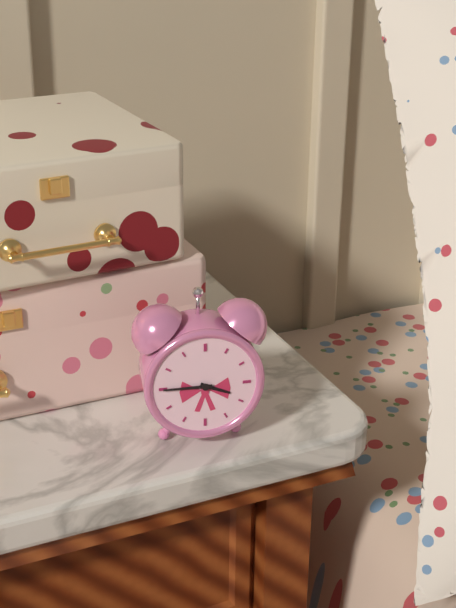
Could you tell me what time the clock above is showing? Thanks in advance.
3:45
